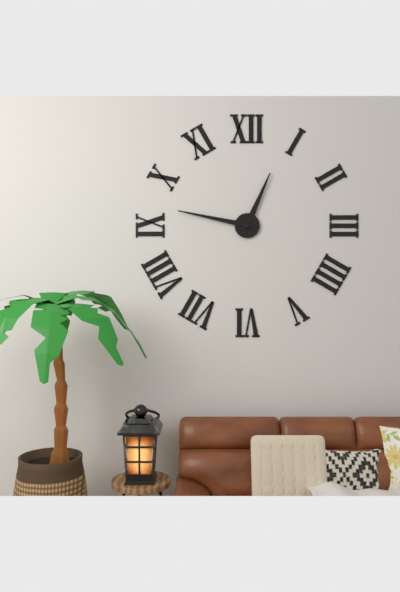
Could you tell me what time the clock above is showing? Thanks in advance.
12:47
